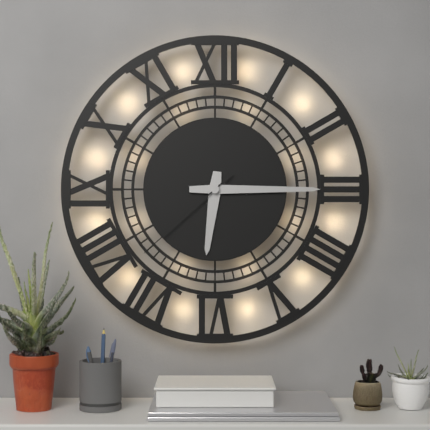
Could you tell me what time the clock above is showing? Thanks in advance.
6:15:38
